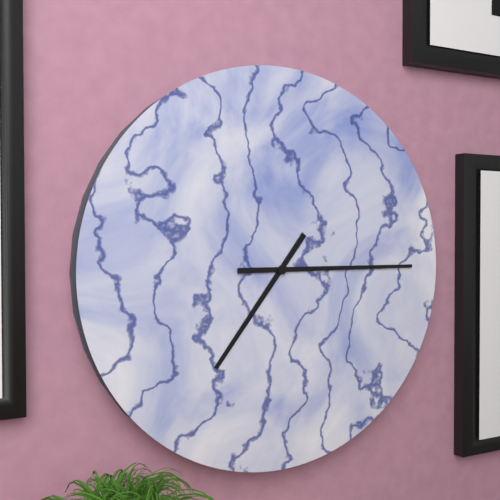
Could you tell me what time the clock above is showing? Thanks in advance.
7:15
